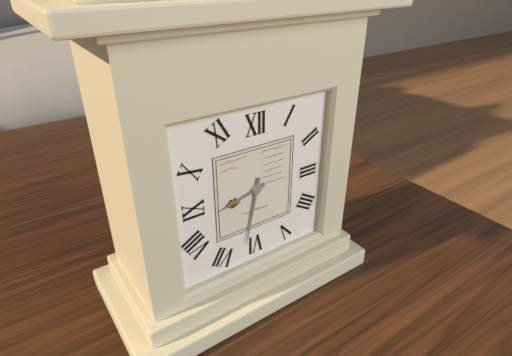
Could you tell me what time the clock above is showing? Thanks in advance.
8:32
